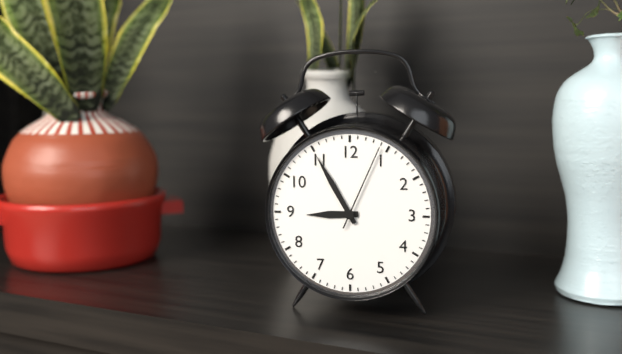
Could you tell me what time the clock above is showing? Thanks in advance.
8:55:04
